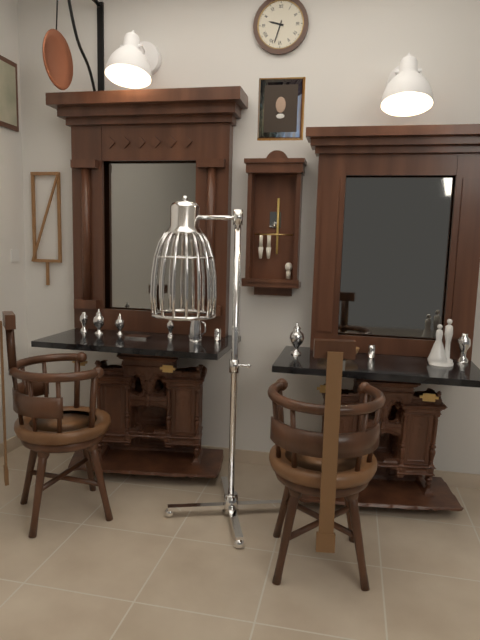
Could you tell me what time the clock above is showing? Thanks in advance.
9:33
